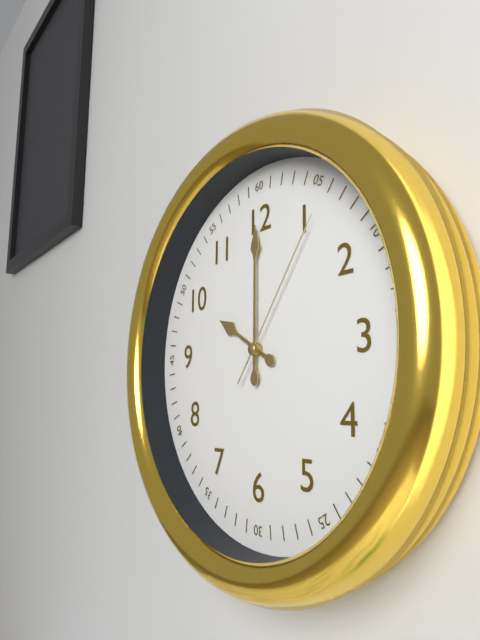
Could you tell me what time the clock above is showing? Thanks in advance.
10:00:06
